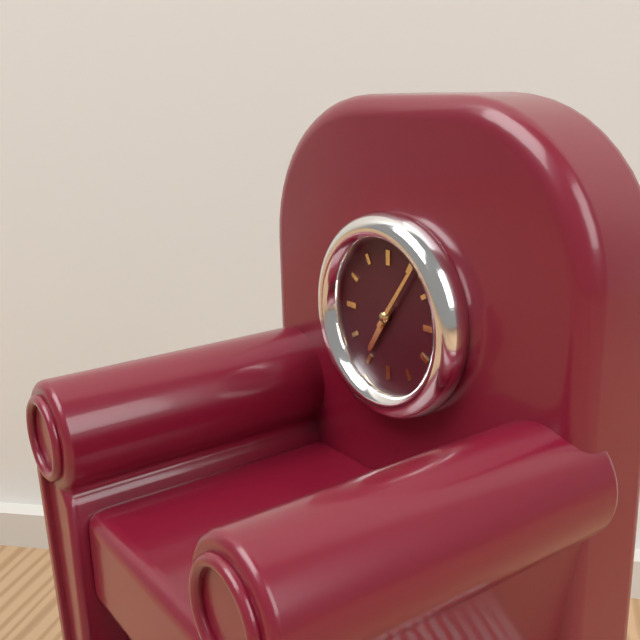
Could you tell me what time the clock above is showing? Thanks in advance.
7:06
